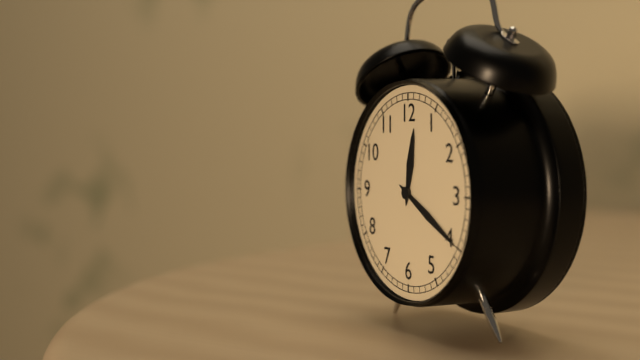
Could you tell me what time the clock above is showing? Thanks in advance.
12:20
